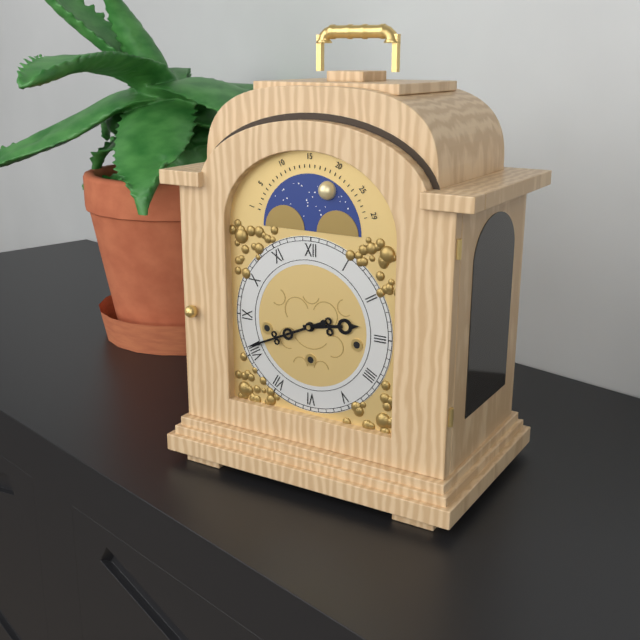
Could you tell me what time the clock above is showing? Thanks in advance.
2:41
